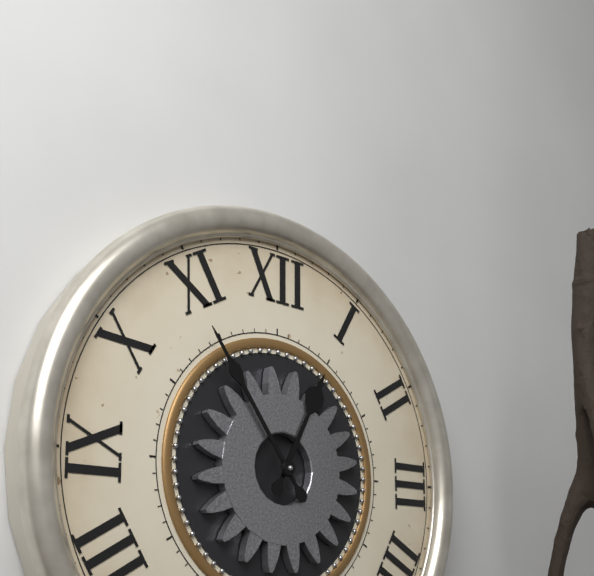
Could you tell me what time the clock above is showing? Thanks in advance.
12:54
